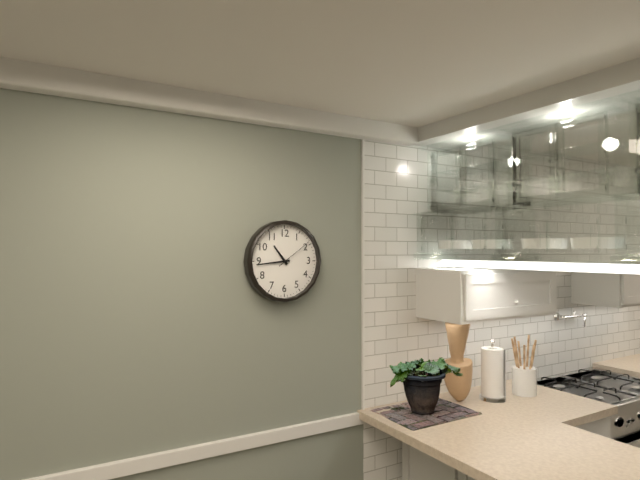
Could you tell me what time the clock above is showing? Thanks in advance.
10:44
